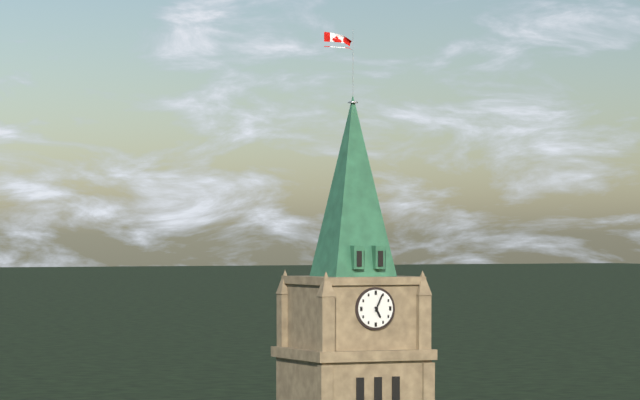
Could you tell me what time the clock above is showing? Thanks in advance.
5:04
